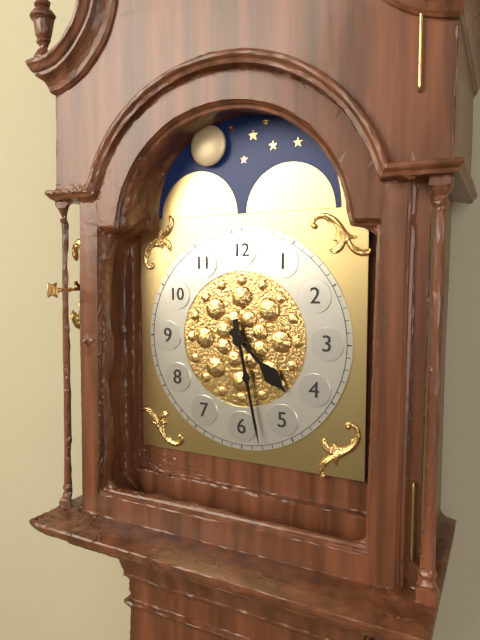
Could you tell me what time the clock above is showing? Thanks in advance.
4:28
